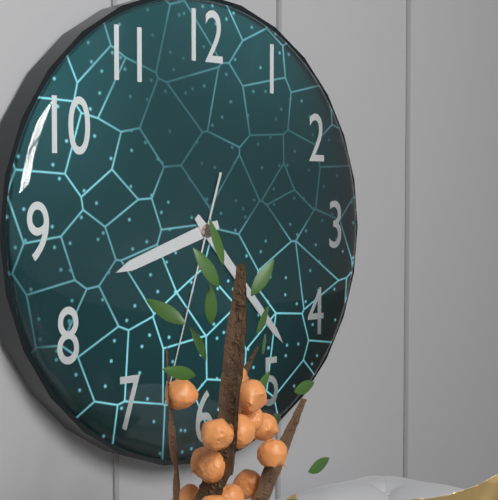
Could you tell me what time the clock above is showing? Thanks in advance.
8:23:33
